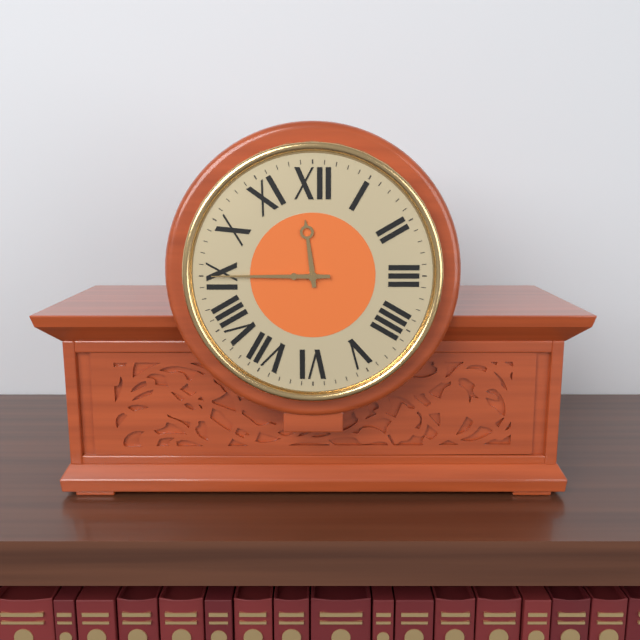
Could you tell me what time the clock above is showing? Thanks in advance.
11:45
